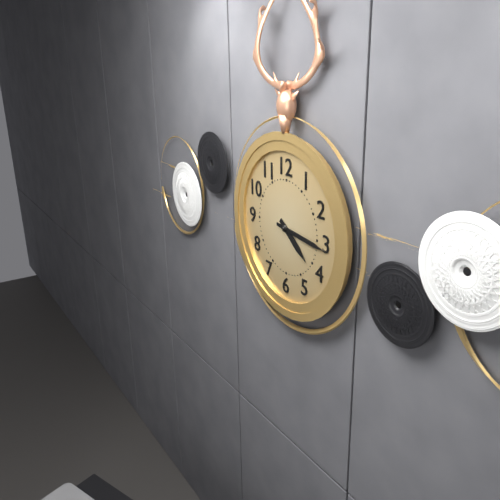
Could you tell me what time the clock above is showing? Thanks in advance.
4:16
